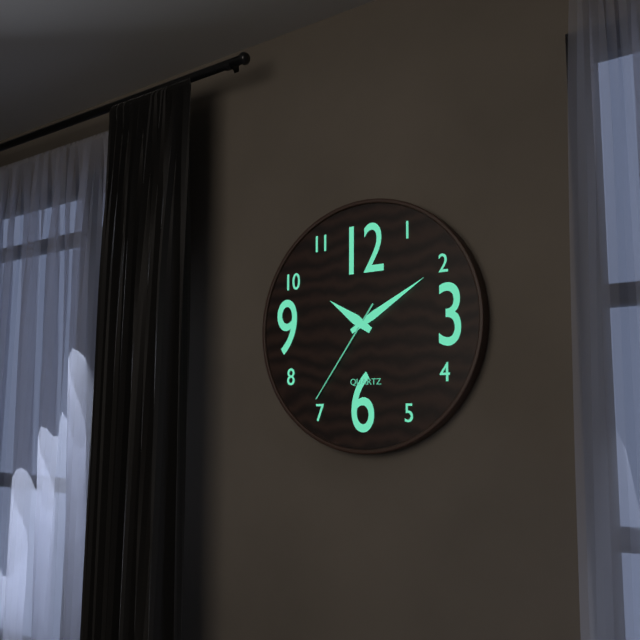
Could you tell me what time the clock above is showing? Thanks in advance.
10:10:36
